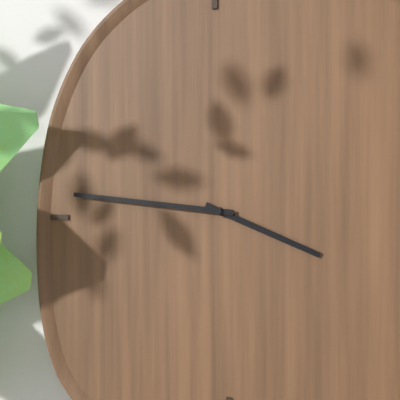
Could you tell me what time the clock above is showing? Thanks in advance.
3:46
